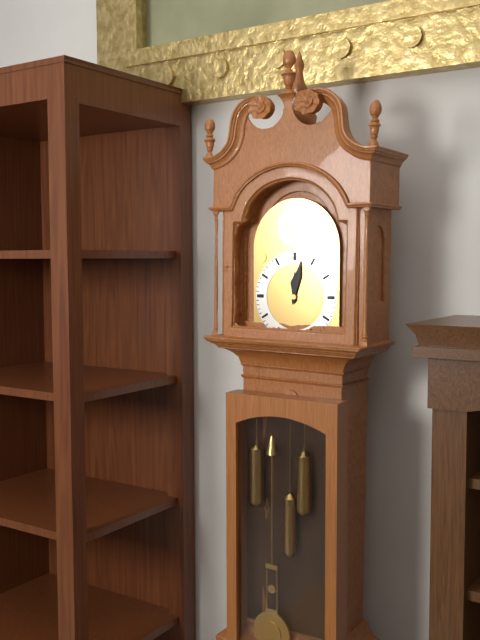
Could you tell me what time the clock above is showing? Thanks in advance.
12:02
